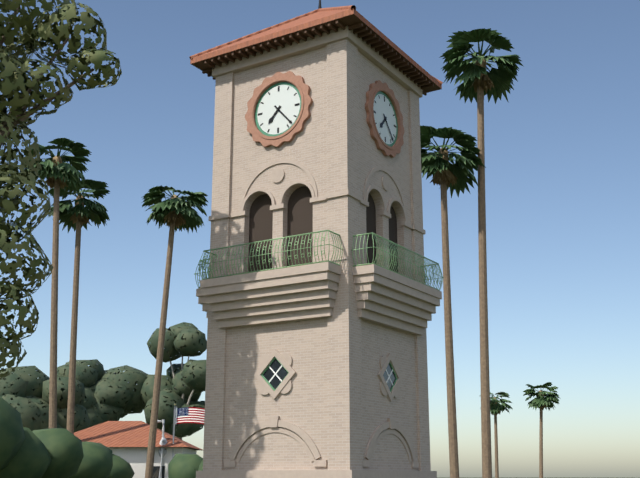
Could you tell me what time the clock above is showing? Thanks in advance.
7:23
